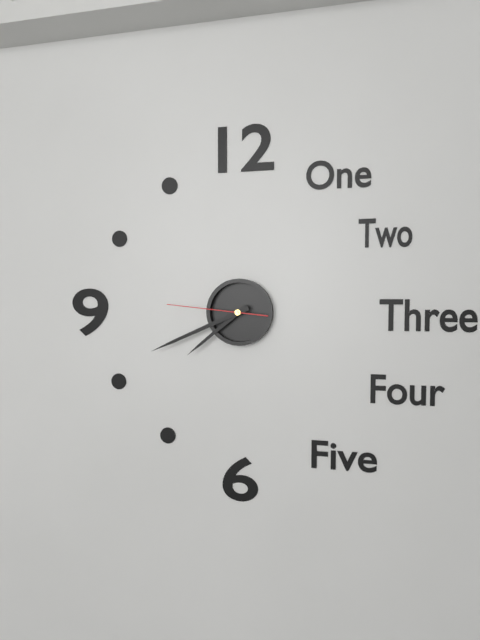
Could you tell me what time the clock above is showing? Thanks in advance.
7:41:46
